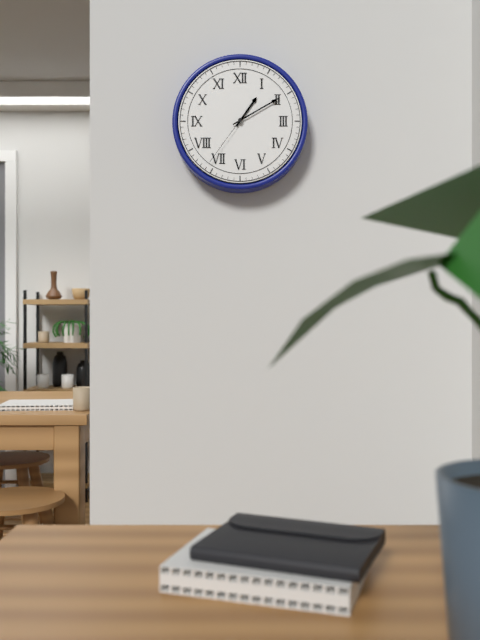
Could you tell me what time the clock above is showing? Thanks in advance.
1:10:36
